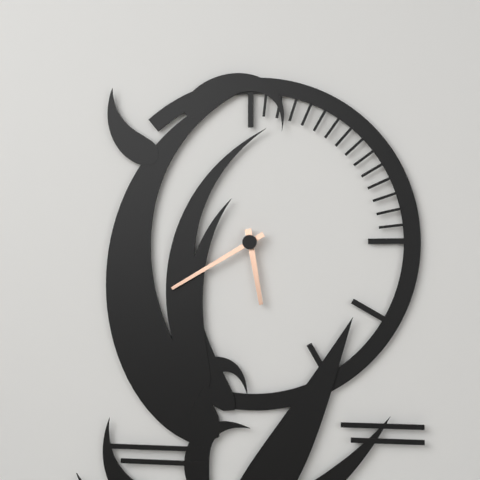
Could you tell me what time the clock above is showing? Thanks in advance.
5:40
